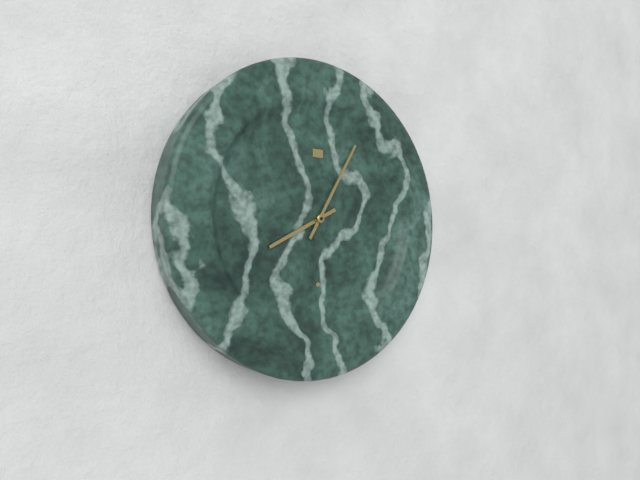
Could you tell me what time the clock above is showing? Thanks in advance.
8:05
